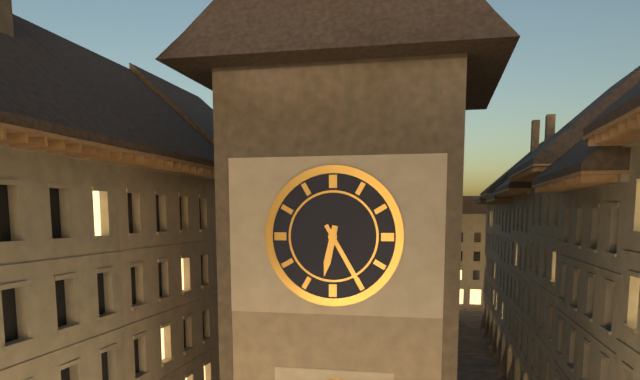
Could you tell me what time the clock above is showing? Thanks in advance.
6:25
